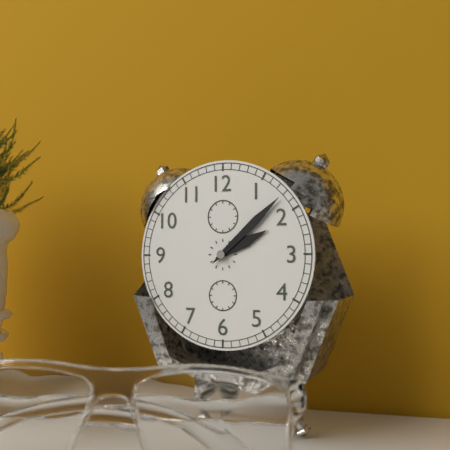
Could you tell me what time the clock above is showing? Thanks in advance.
2:08
